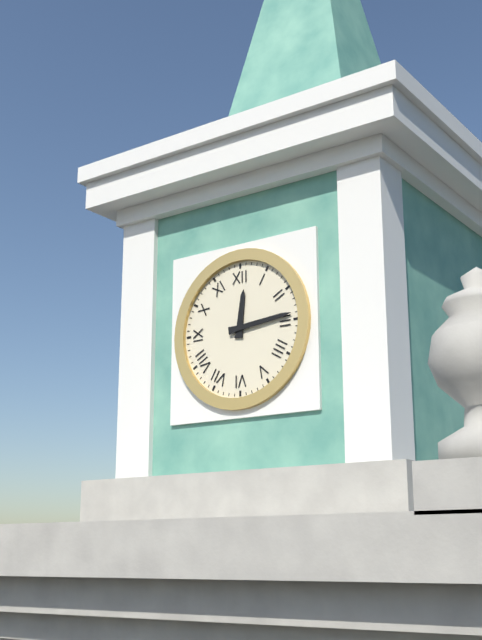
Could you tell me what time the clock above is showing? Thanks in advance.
12:14
